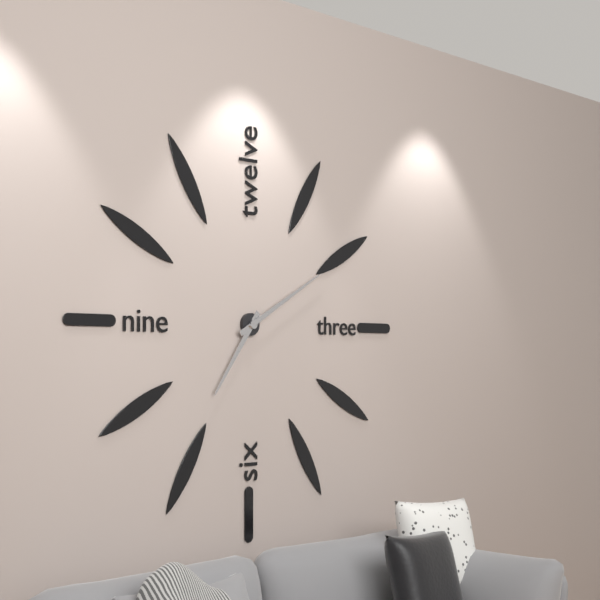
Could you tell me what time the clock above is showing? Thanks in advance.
7:10
